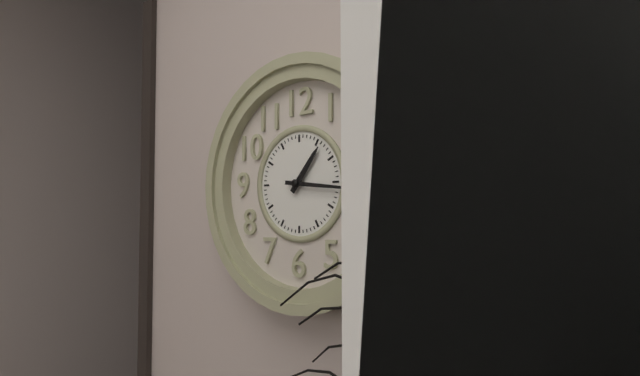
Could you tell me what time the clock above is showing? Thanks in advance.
1:16
